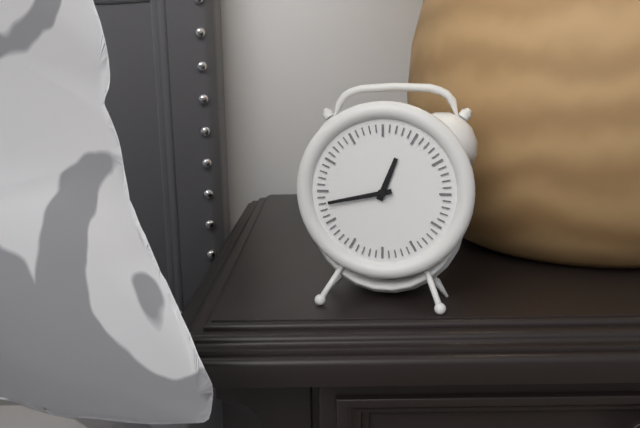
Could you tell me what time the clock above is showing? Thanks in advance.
12:43
